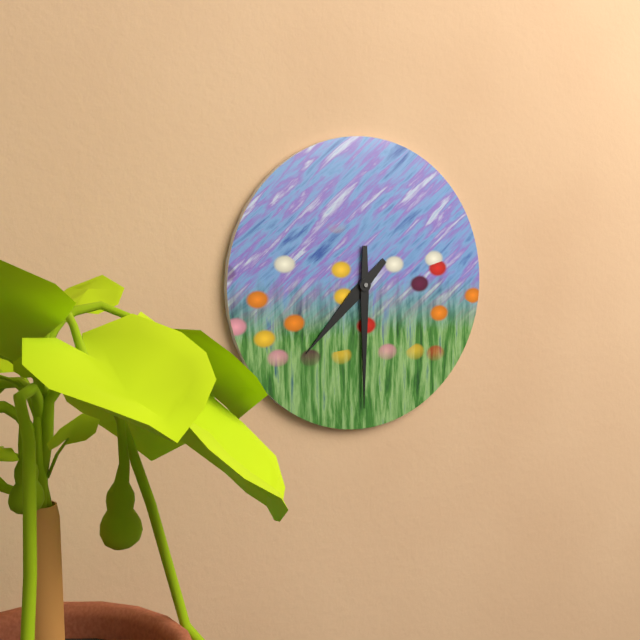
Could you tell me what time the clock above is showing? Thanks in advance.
7:30
